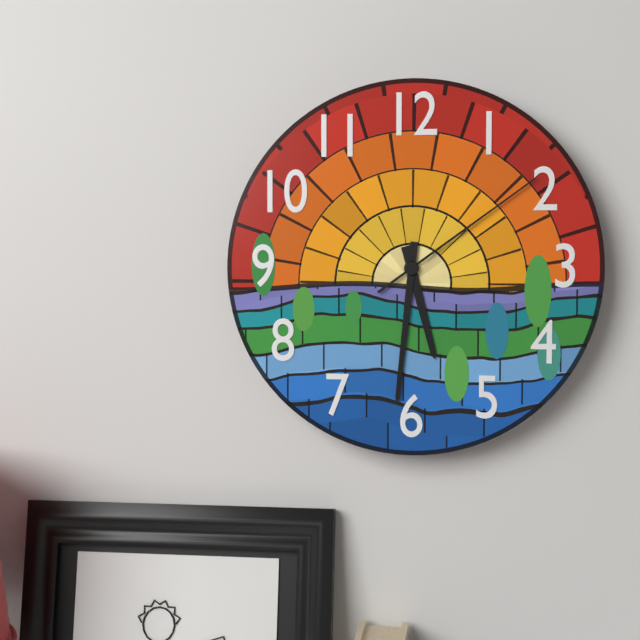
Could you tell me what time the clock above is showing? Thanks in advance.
5:31:09
